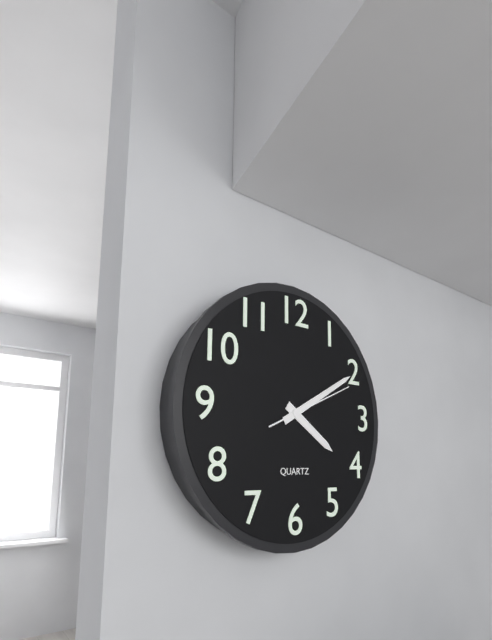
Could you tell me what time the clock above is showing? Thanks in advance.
4:10:11
